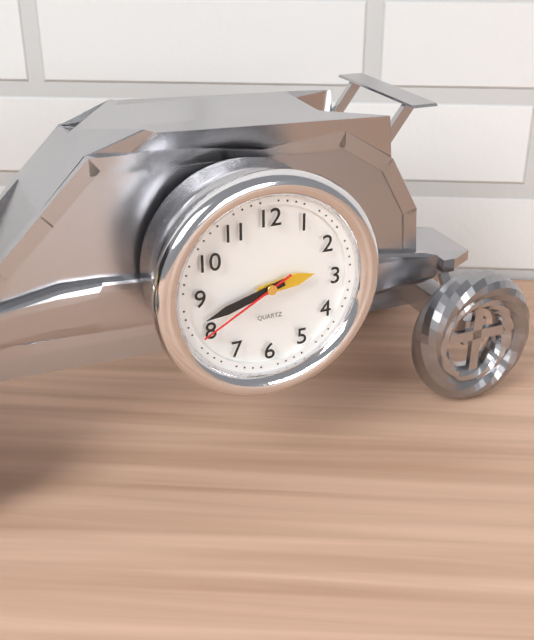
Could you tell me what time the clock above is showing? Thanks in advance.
2:42:40
